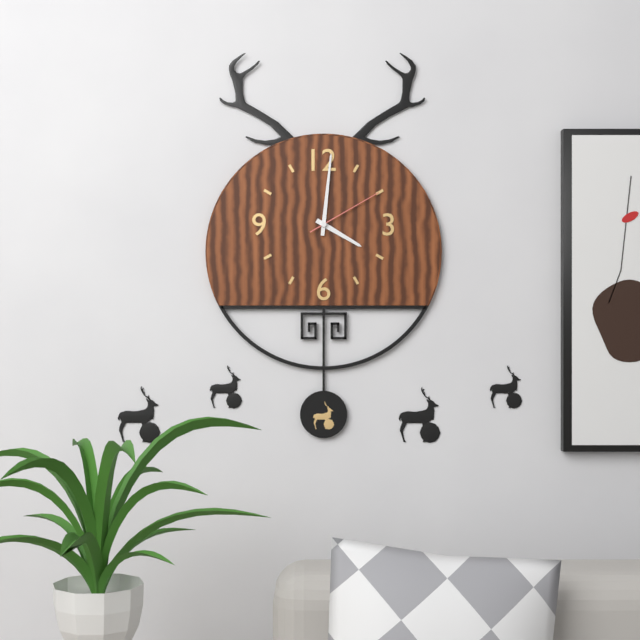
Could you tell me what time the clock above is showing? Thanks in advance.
4:01:10
